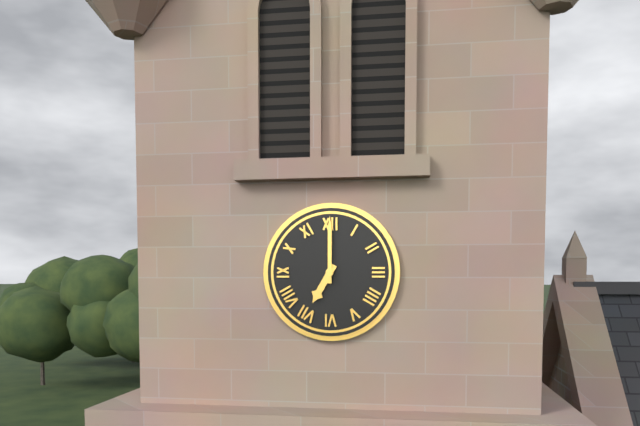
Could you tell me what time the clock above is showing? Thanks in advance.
7:00
